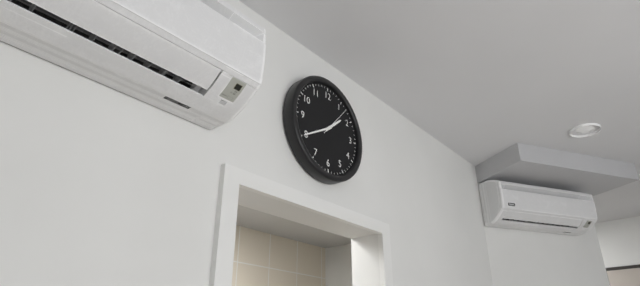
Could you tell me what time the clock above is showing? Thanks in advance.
1:40
